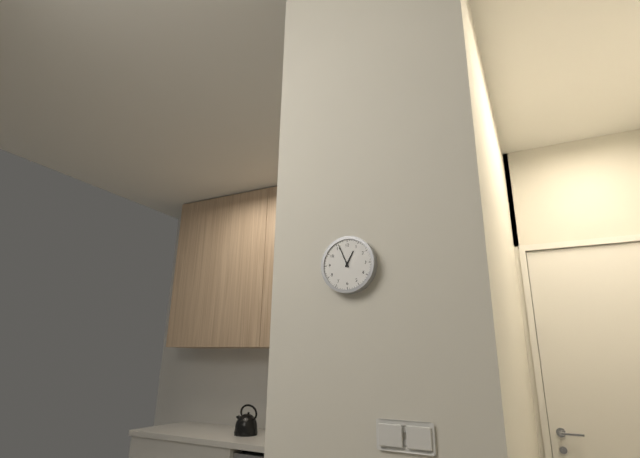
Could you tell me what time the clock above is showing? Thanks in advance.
12:56
